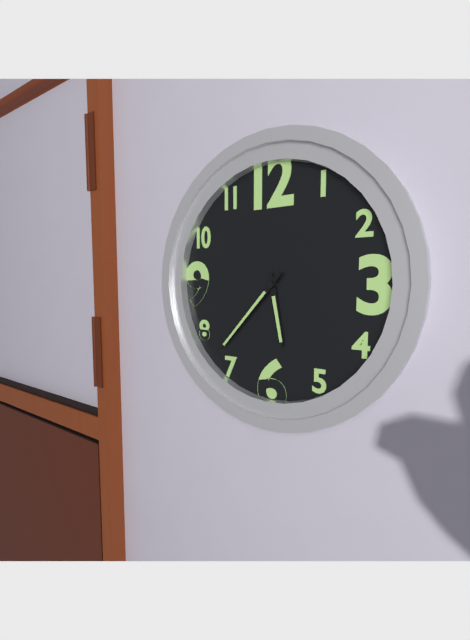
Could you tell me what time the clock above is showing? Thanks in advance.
5:37
